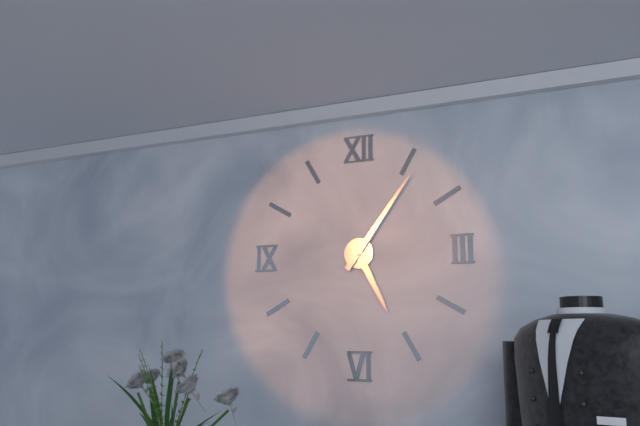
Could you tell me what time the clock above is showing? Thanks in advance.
5:06
